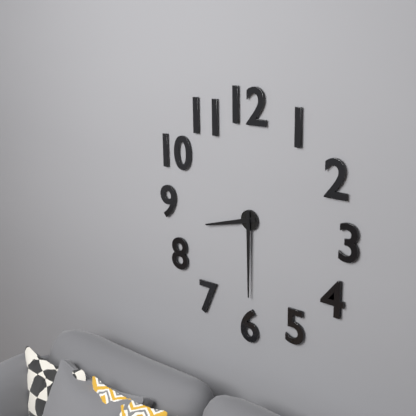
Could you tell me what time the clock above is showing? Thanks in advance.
8:30
